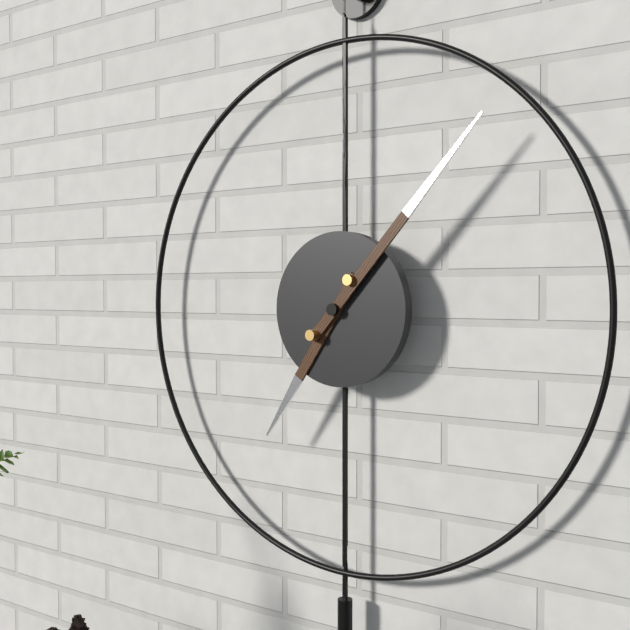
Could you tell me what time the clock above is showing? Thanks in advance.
7:07
